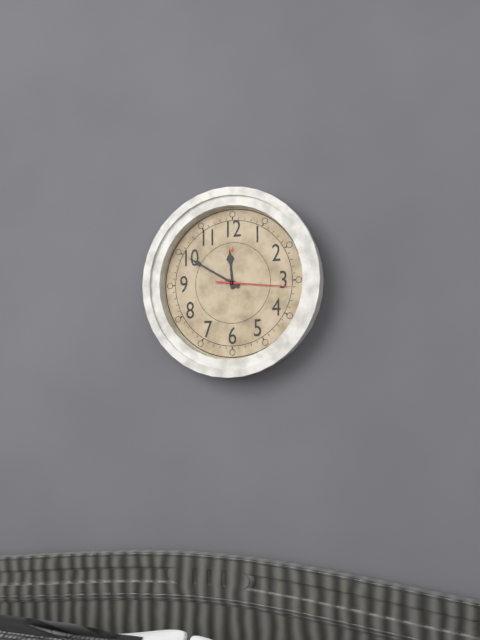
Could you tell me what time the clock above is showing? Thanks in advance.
11:50:16
